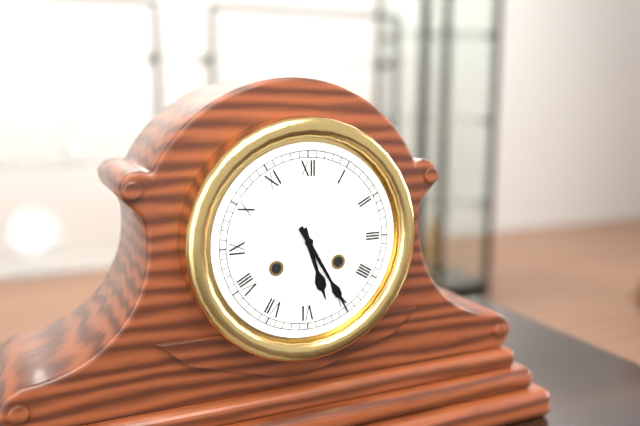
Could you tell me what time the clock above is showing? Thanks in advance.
5:25
